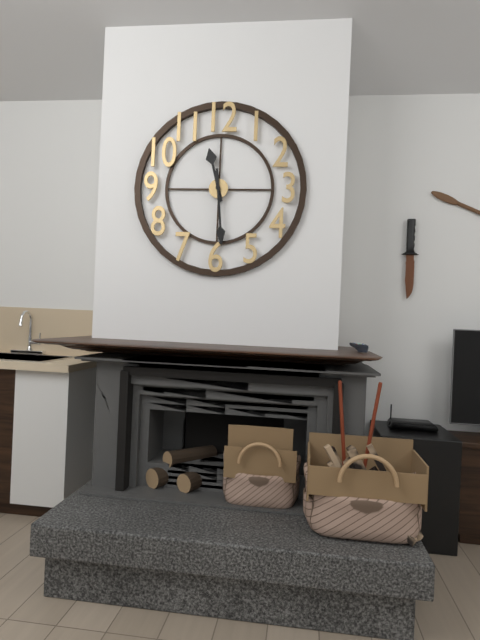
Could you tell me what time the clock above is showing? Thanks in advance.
11:29
